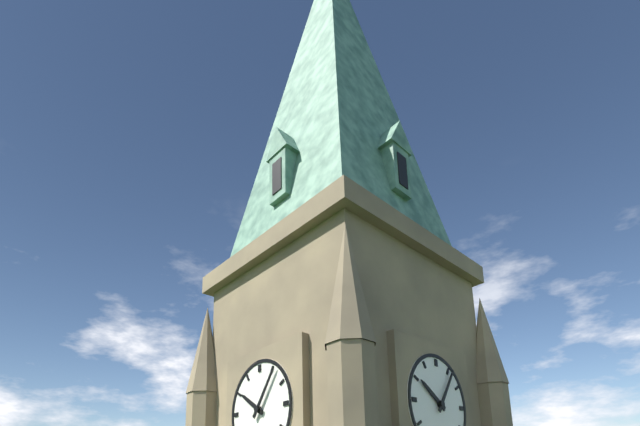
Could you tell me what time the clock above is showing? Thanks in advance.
10:06
